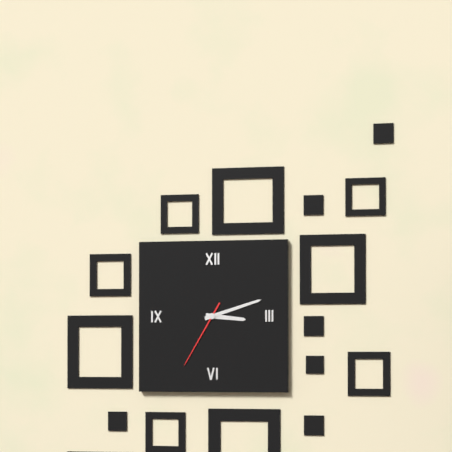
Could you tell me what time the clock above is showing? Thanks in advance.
3:12:35
